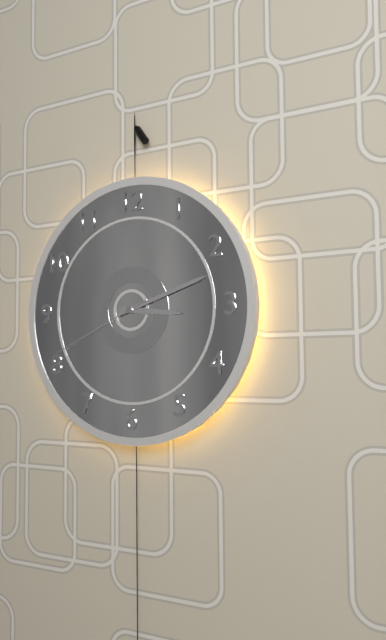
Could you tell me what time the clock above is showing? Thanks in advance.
3:12:41
